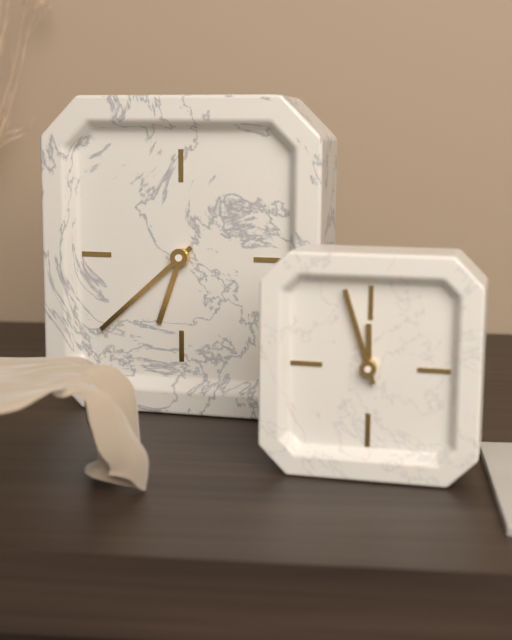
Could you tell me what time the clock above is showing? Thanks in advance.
6:38
